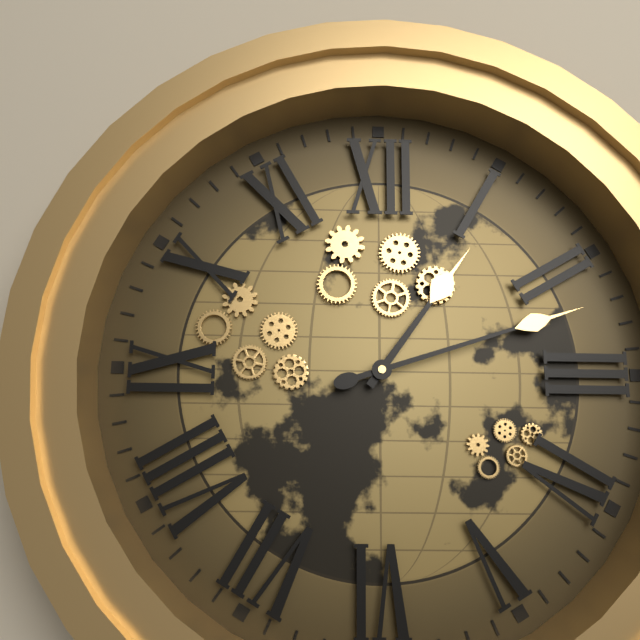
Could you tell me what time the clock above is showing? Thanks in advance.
1:12
